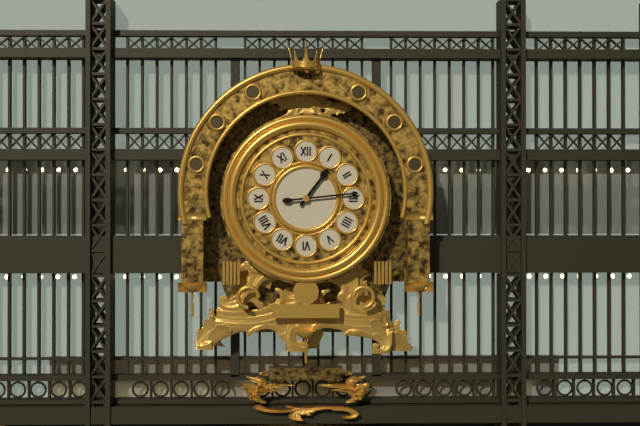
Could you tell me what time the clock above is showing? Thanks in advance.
1:14
